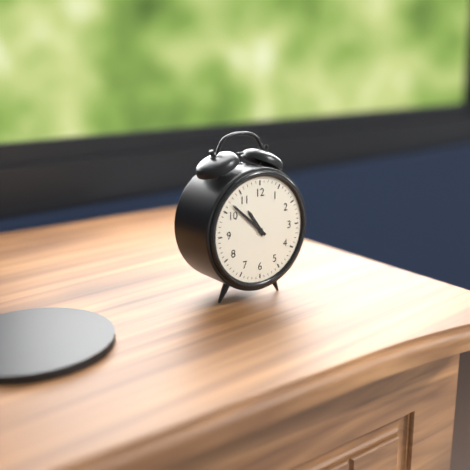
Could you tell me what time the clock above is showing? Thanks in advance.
10:52
